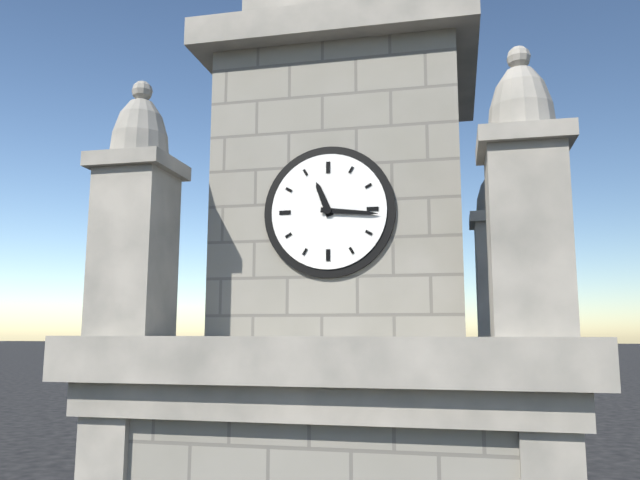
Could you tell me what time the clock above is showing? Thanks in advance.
11:16
